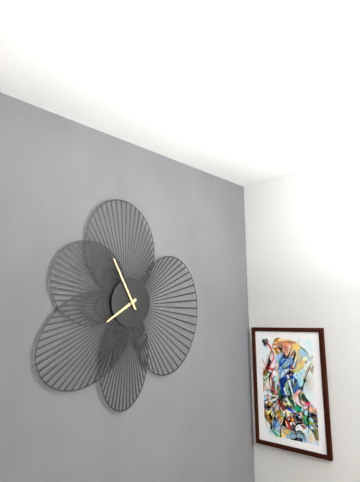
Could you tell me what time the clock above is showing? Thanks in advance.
7:55
